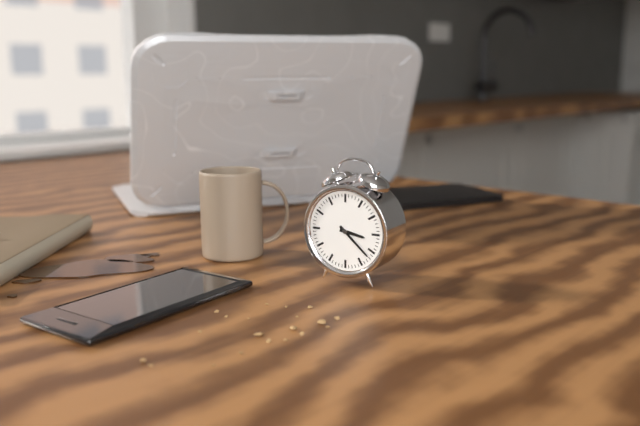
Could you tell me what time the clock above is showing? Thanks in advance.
3:22
